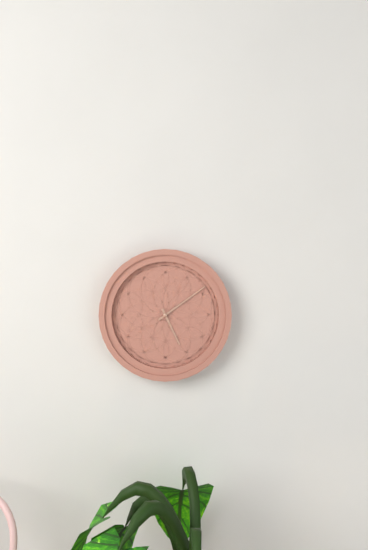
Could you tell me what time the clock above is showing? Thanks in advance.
5:09
